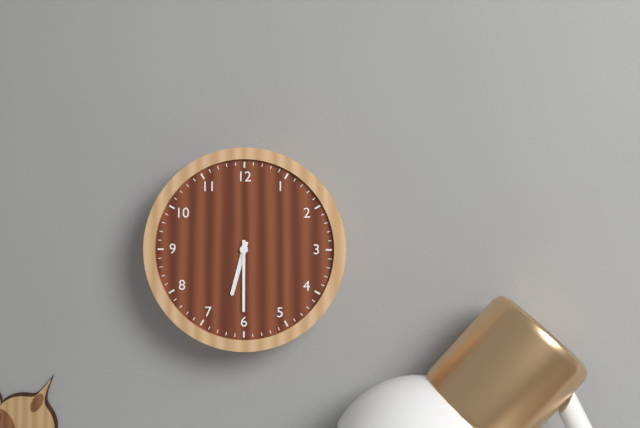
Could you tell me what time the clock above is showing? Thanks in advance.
6:30
